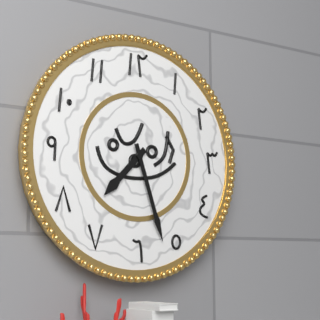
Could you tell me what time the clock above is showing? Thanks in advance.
7:27
